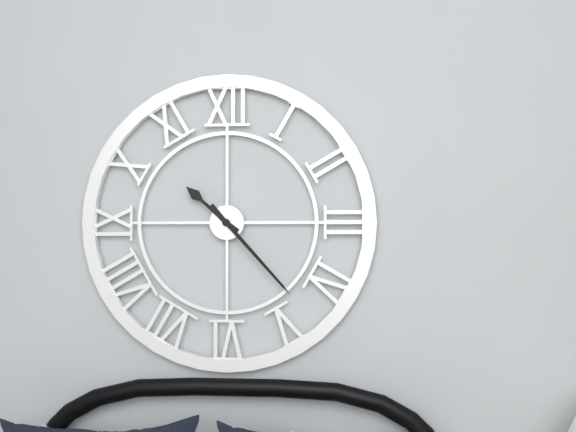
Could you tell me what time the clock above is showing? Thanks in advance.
10:23
